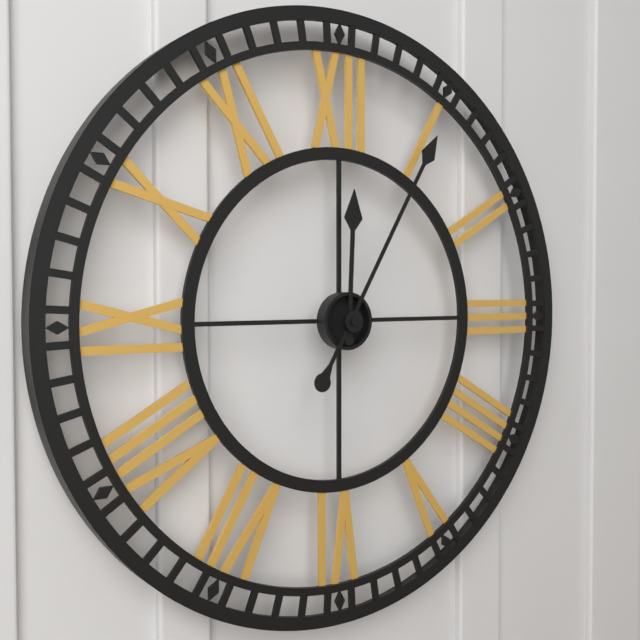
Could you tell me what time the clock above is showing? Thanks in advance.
12:05
